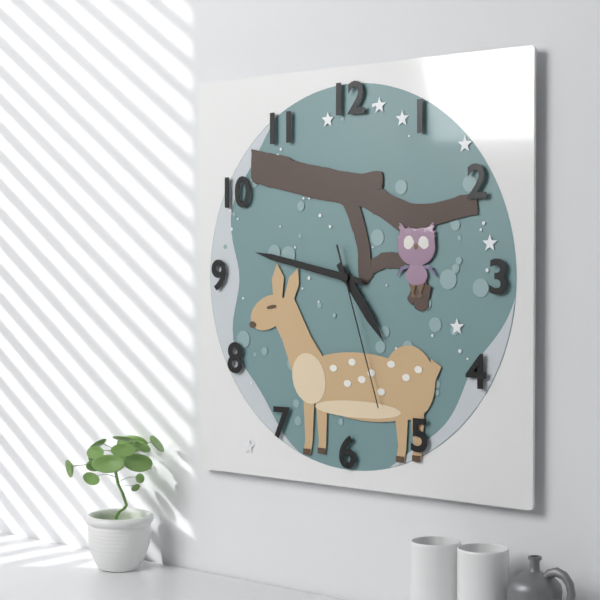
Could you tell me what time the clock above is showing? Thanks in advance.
4:47:27
